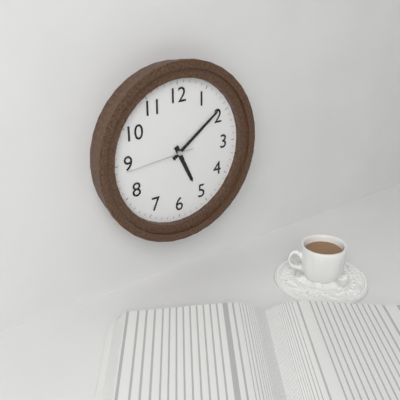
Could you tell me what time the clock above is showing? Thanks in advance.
5:09:44
